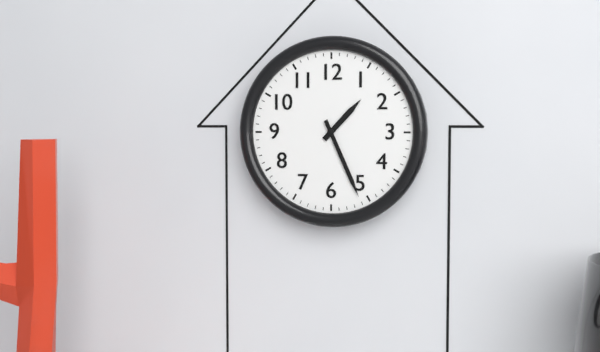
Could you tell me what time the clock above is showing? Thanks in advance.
1:26
